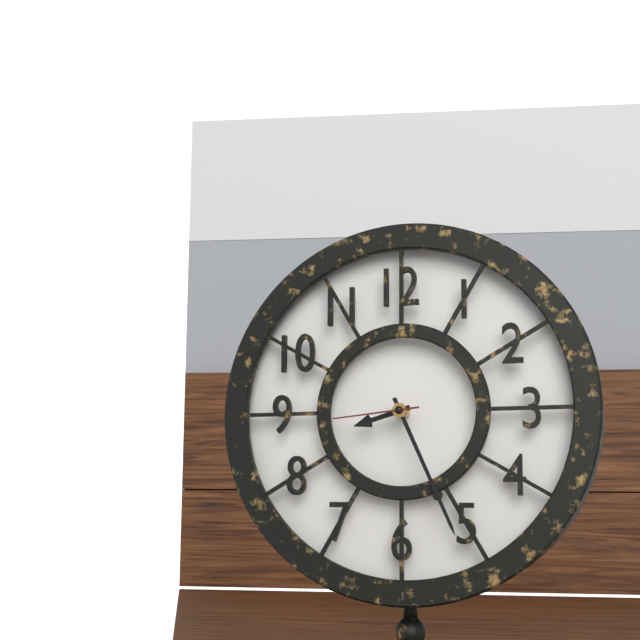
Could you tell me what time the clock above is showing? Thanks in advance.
8:26:44
